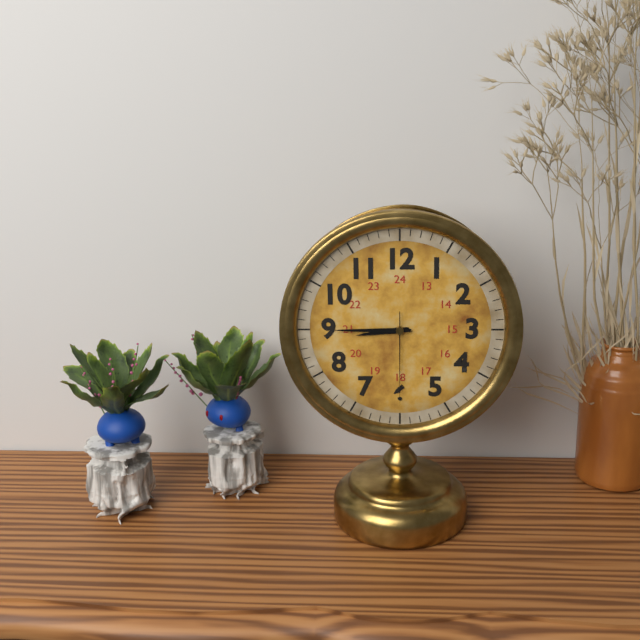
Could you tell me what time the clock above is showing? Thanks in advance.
8:45:30
